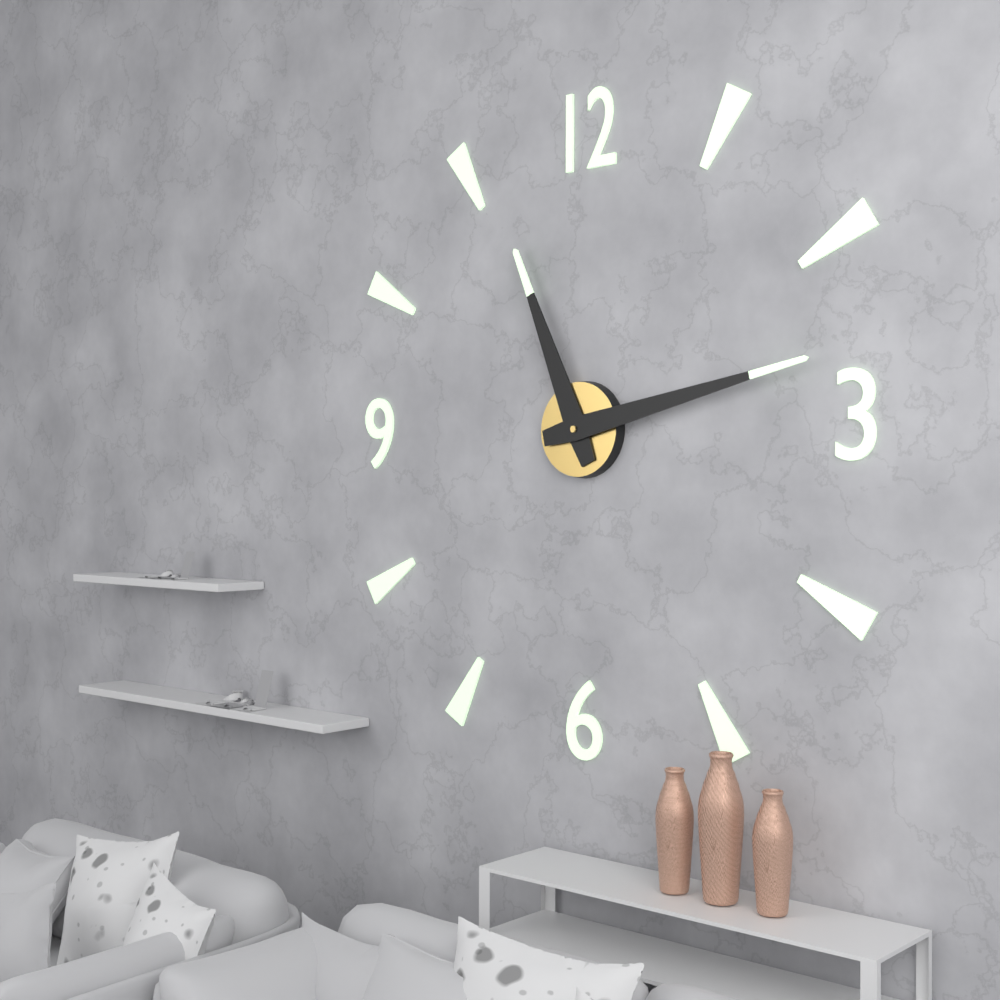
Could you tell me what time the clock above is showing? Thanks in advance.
11:13
